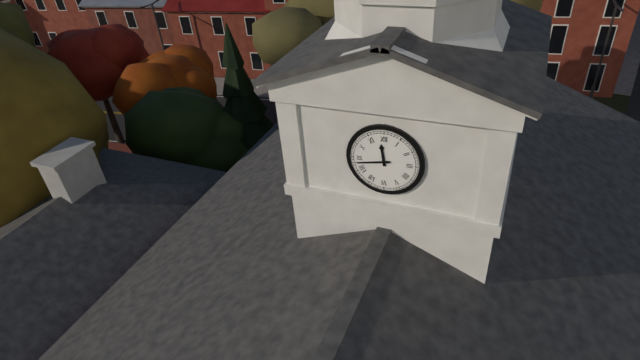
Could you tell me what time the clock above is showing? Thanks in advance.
11:43
